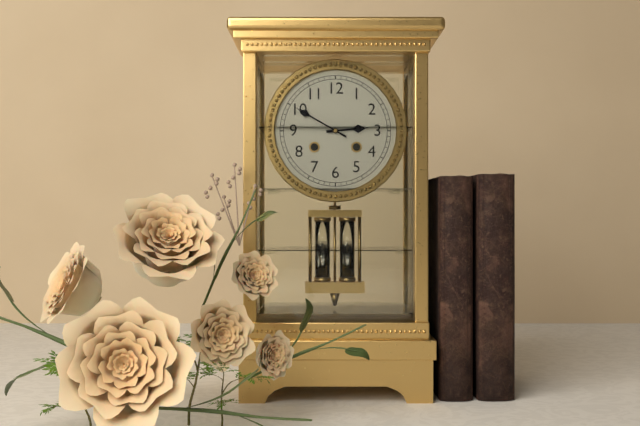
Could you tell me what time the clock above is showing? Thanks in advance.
2:50
